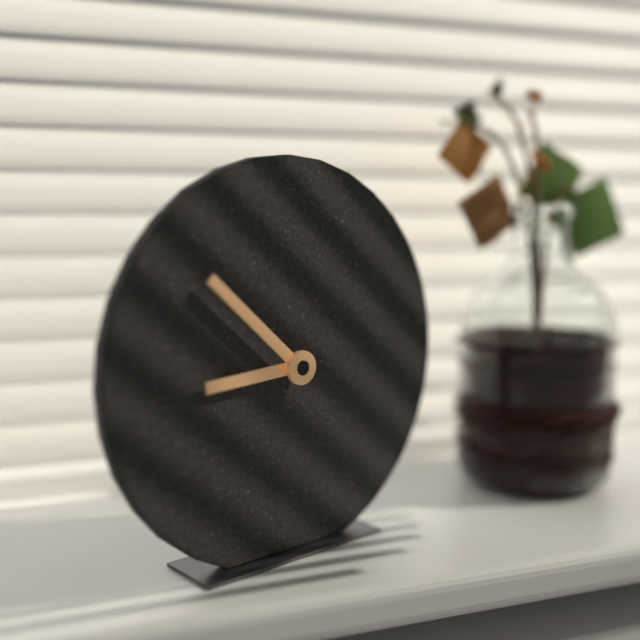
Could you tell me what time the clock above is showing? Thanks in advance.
8:52
